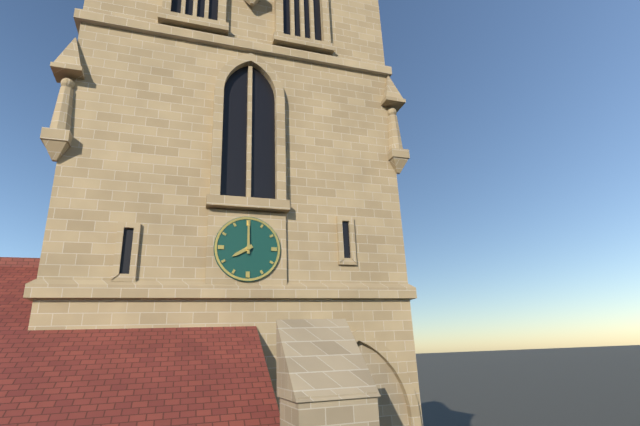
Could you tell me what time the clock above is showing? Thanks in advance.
8:00
